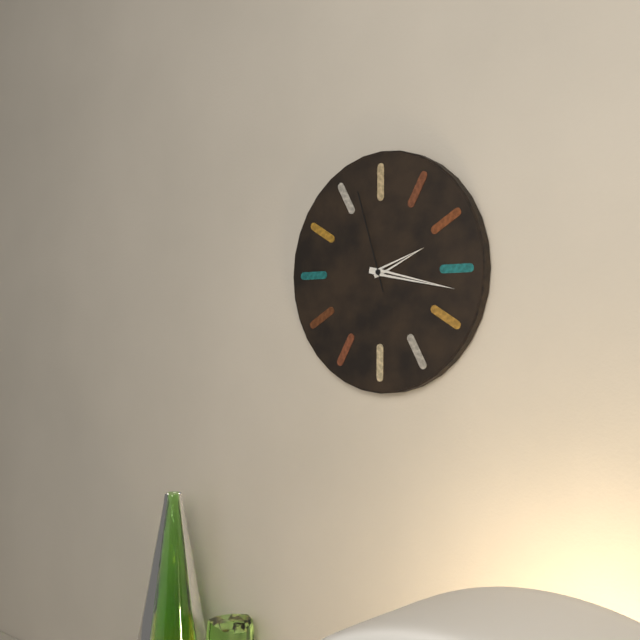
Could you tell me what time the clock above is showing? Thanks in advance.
2:17:57
